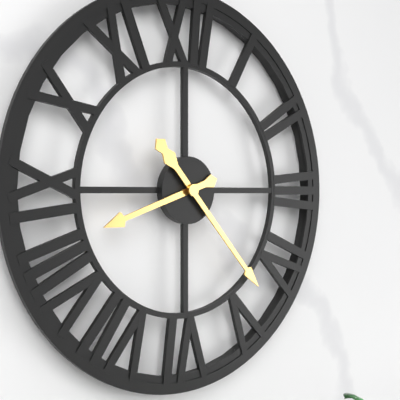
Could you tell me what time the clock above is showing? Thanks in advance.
8:23
